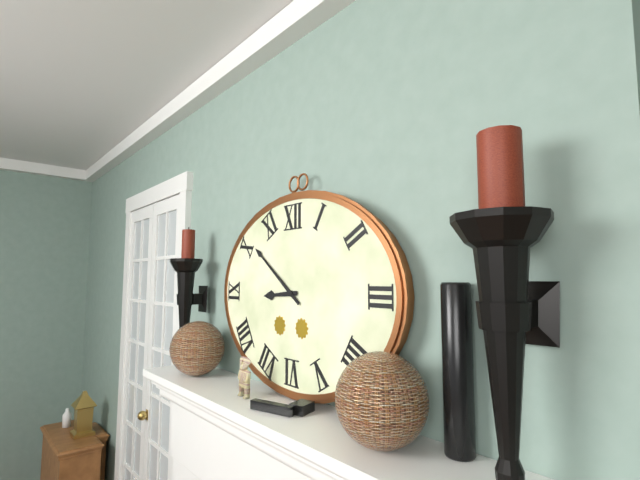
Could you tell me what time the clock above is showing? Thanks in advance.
8:51
